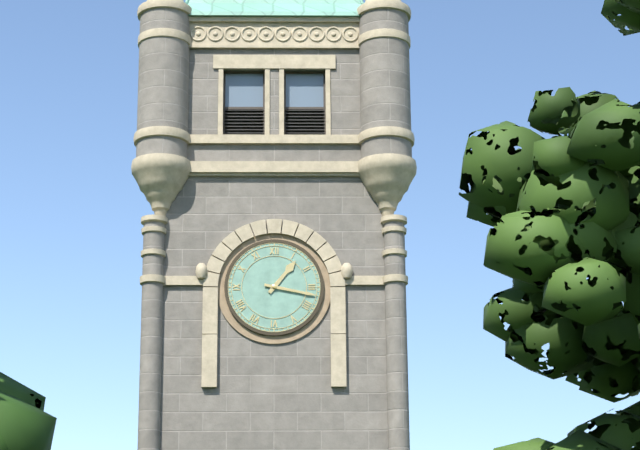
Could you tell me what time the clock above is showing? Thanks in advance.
1:17
